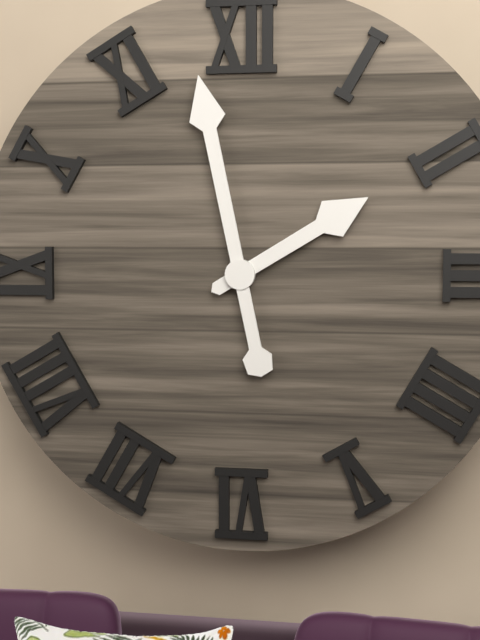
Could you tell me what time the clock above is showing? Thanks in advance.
1:58
